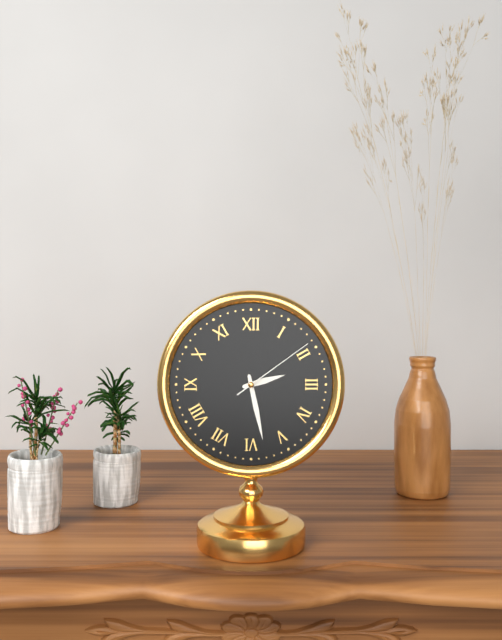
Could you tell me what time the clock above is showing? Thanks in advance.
2:28:09
